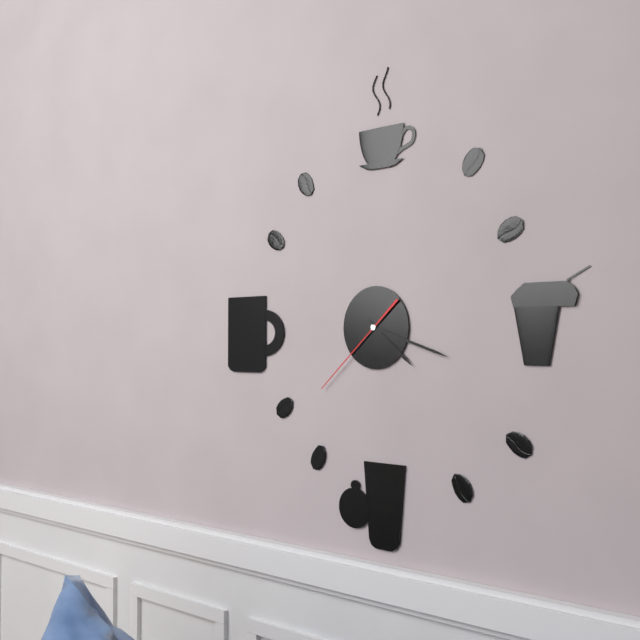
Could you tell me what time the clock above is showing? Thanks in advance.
4:18:38
